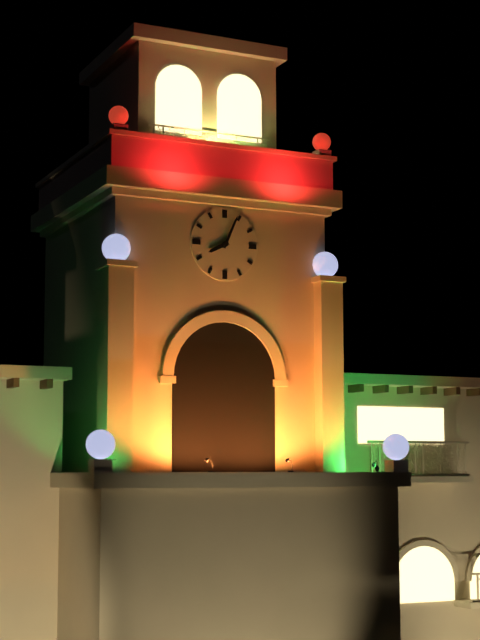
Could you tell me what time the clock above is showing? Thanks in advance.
8:04
